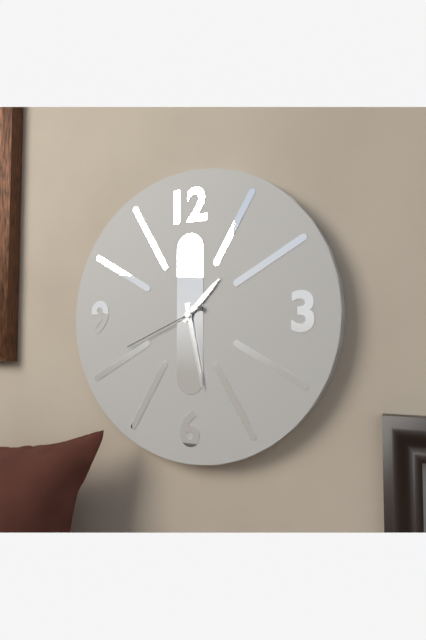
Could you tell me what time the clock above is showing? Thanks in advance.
1:28:41
